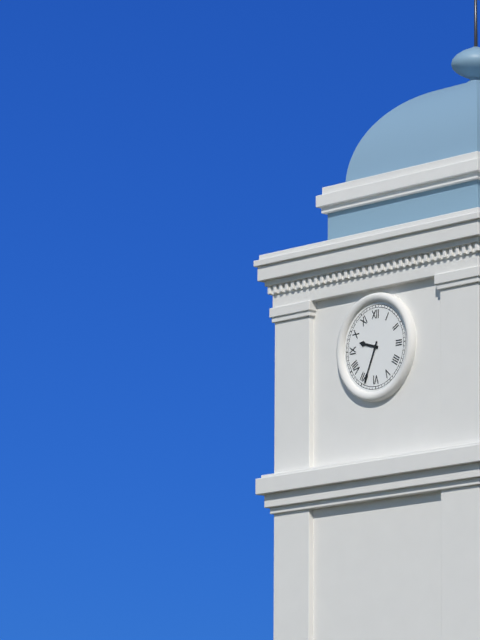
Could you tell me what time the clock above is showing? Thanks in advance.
9:34
